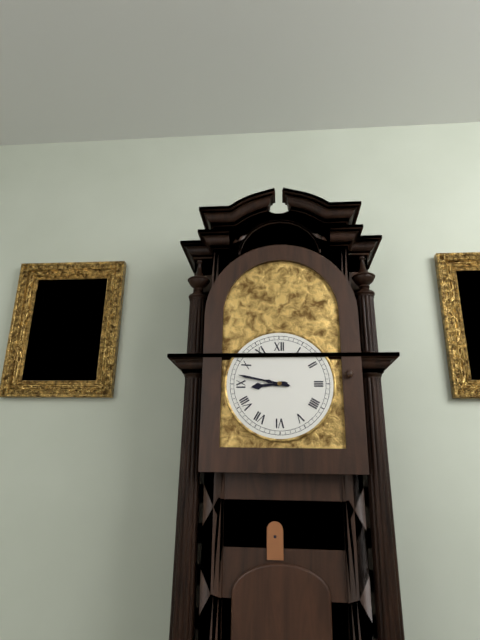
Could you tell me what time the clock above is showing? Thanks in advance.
8:47
